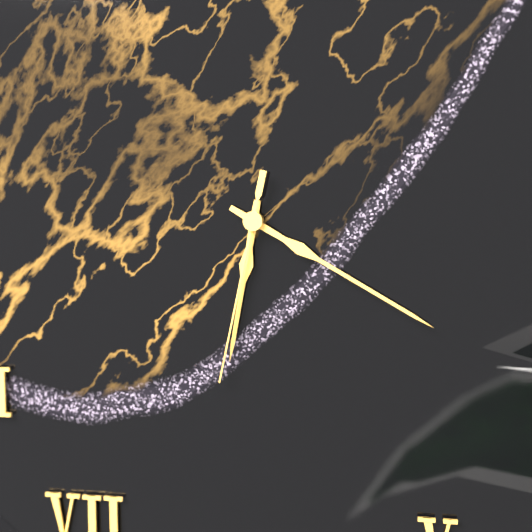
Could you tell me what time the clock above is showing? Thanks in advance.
6:20:32
